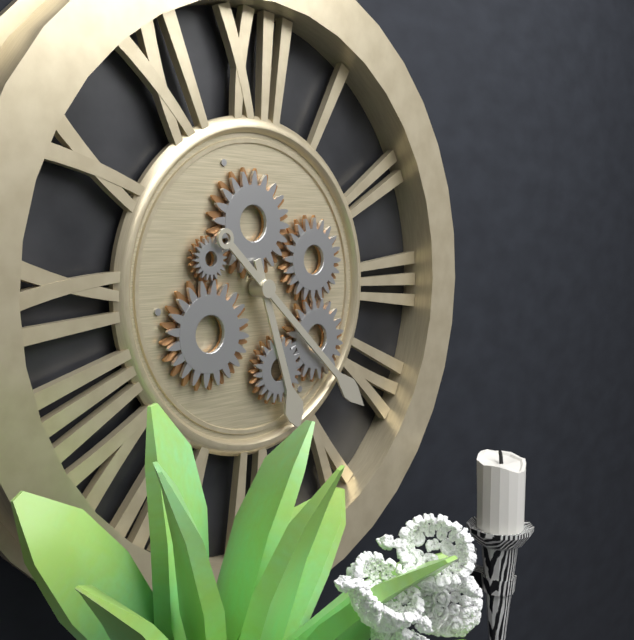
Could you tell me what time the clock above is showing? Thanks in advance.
5:22
